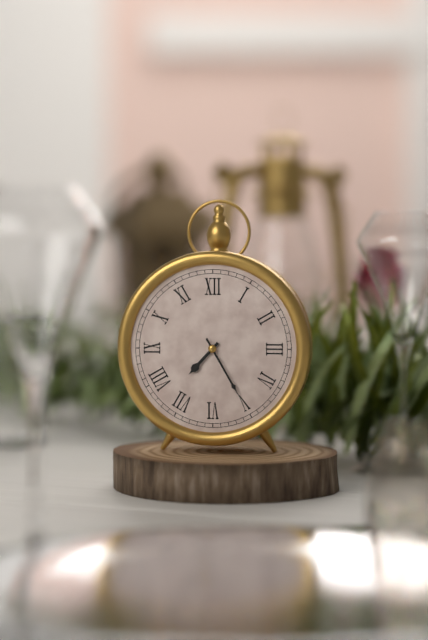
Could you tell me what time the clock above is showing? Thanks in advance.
7:25
